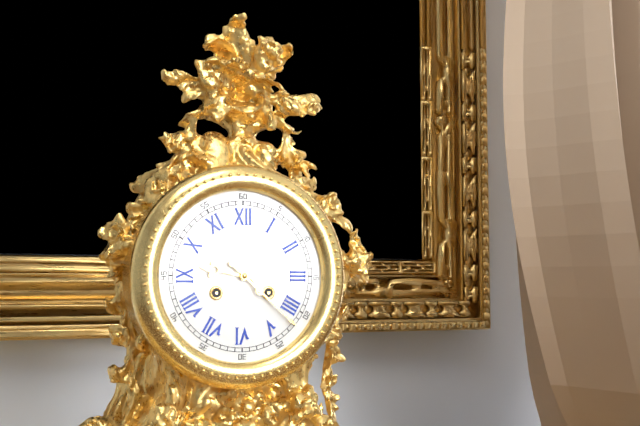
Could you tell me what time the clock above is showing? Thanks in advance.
9:22
